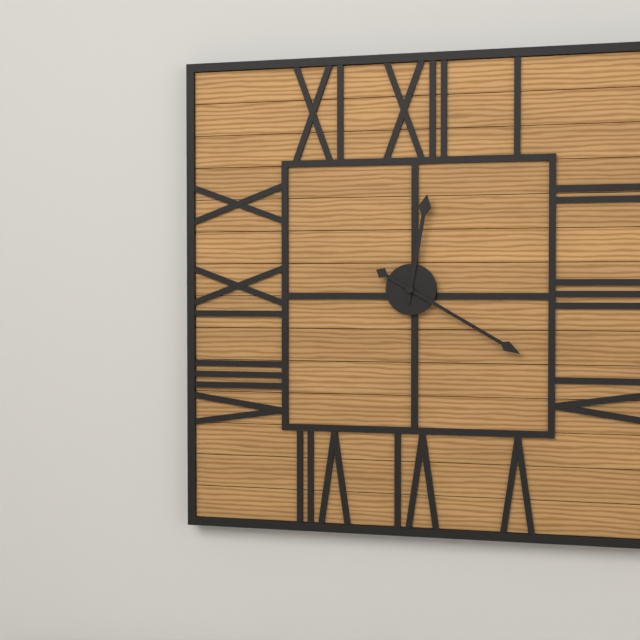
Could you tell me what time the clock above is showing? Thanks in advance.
12:20
